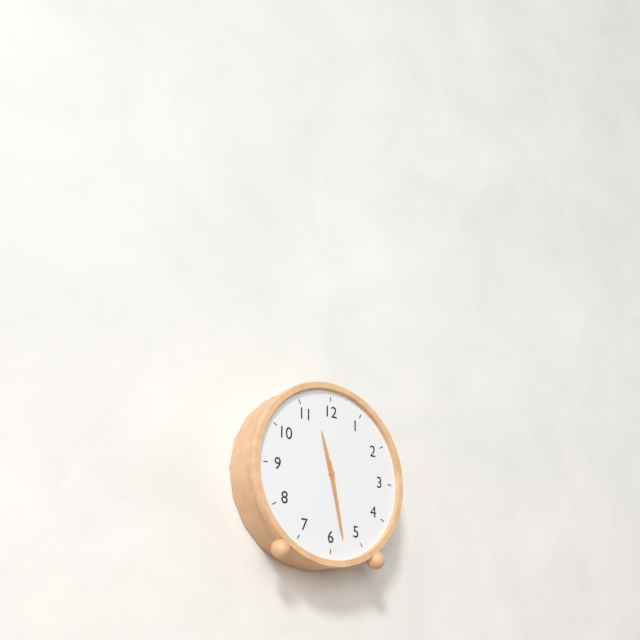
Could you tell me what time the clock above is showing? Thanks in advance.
11:28
